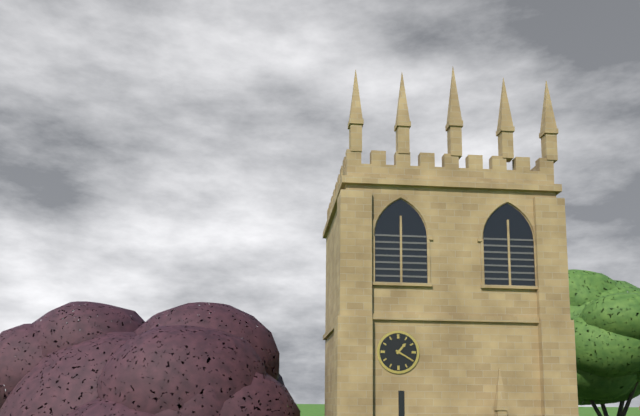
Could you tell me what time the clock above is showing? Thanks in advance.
1:20
